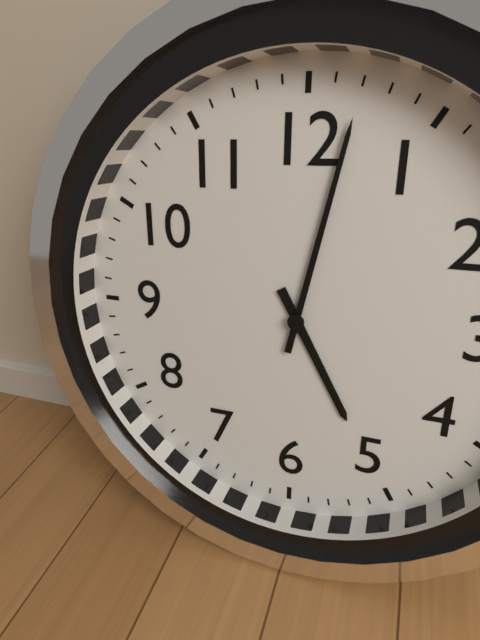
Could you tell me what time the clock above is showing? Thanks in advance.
5:02
